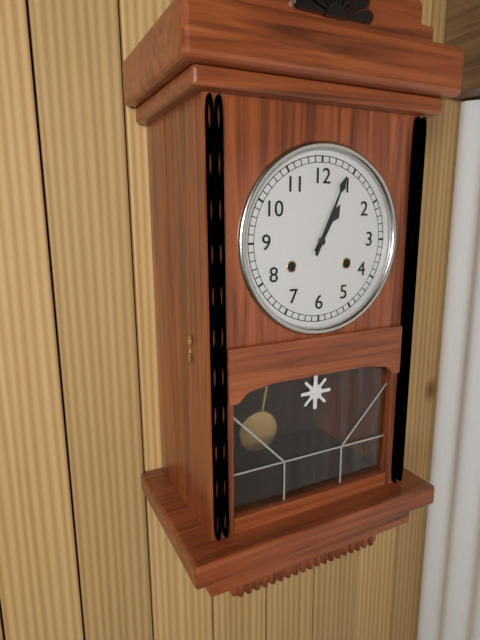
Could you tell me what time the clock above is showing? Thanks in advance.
1:04
